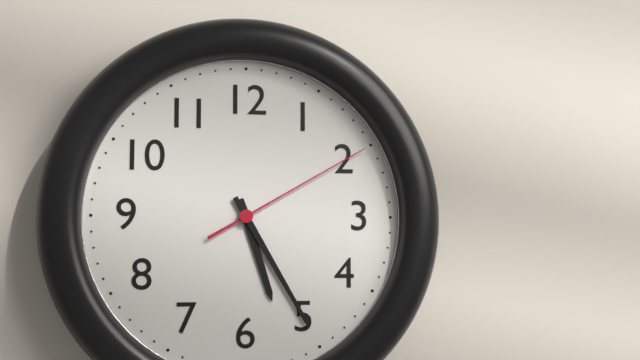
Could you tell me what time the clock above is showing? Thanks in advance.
5:25:10
